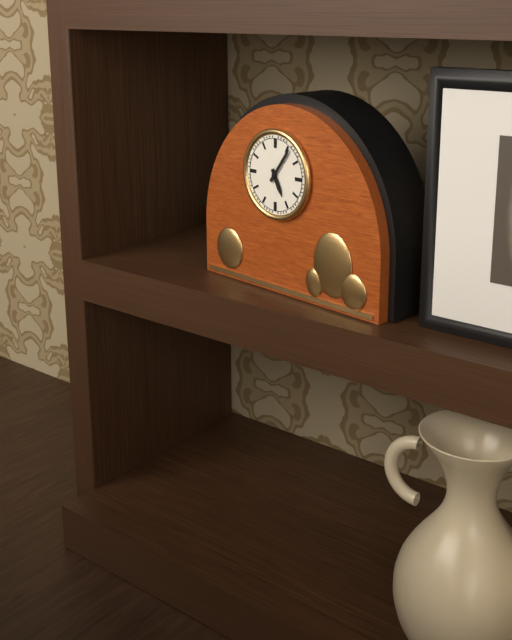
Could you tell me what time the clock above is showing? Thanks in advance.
5:06
